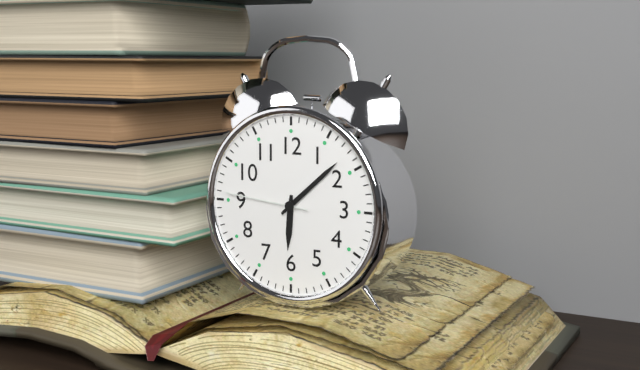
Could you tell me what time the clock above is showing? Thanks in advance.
6:08:46
